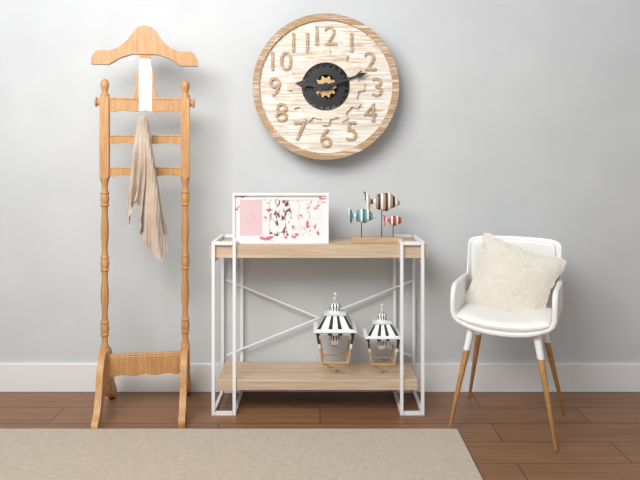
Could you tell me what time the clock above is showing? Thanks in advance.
9:12
